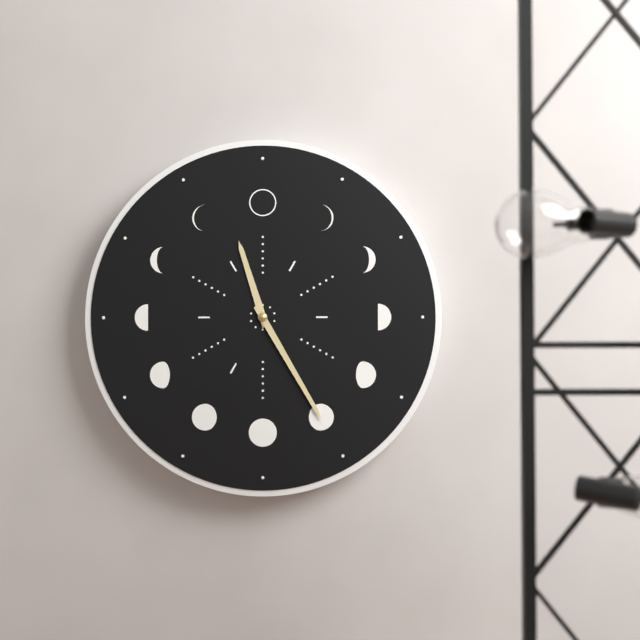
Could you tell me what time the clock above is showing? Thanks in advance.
11:25
